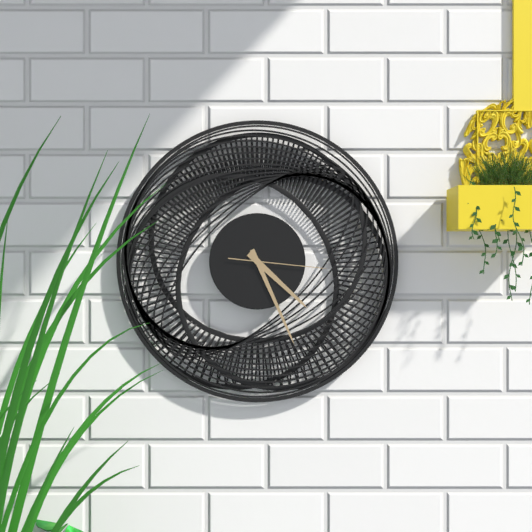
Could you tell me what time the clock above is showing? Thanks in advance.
4:26:16
